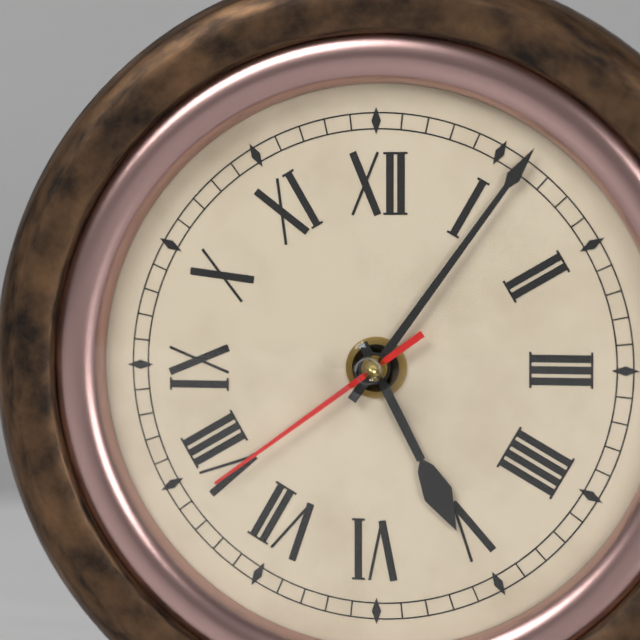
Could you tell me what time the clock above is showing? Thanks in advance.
5:06:39
